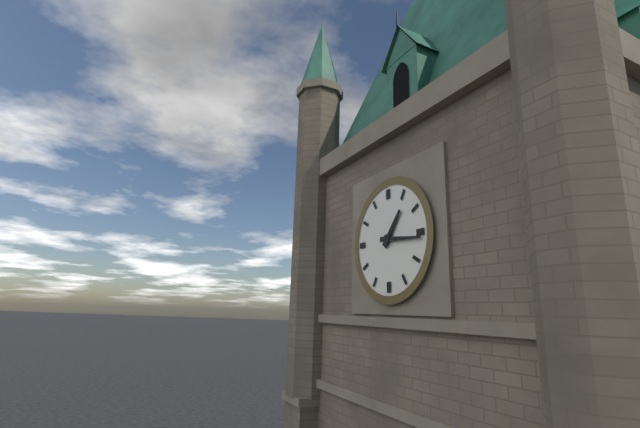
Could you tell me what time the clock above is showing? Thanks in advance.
1:16
